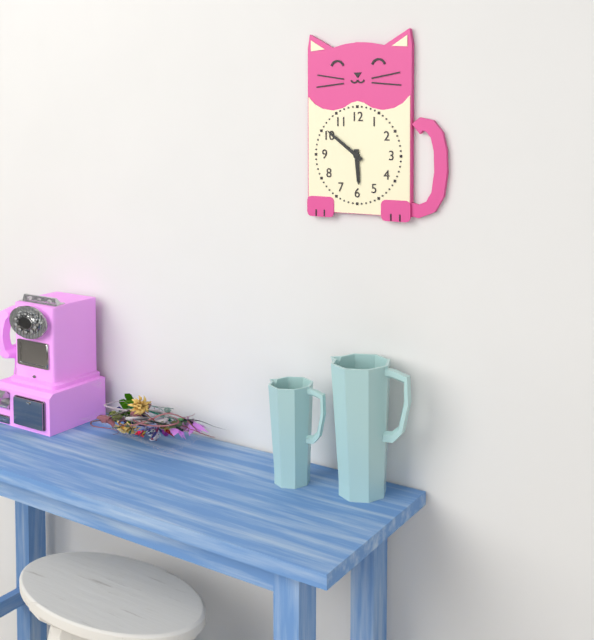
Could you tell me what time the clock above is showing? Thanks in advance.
5:51
